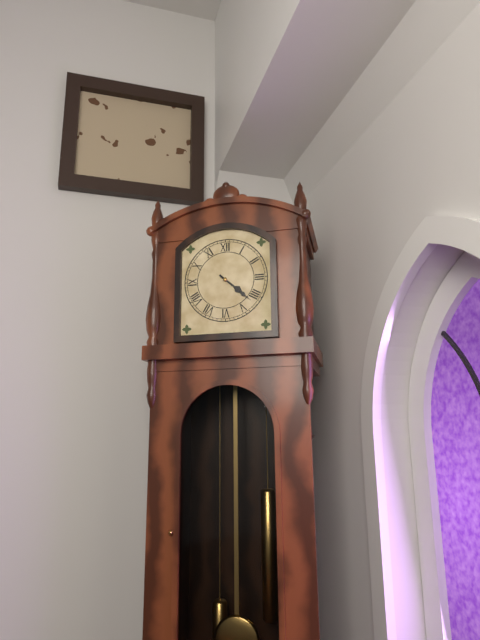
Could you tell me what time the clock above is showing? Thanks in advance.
4:22
